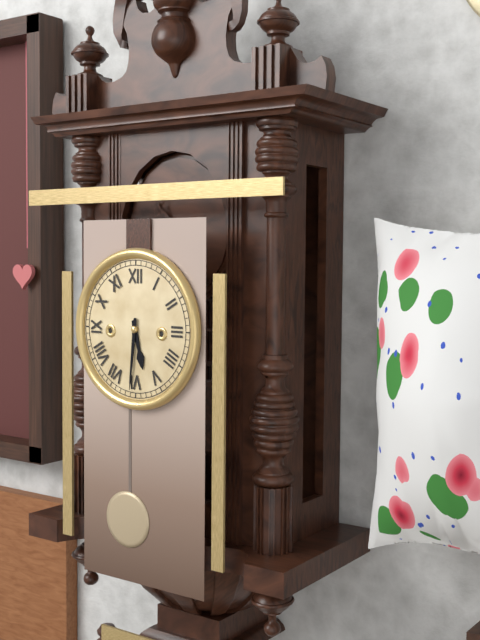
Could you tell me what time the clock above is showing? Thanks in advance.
5:31
